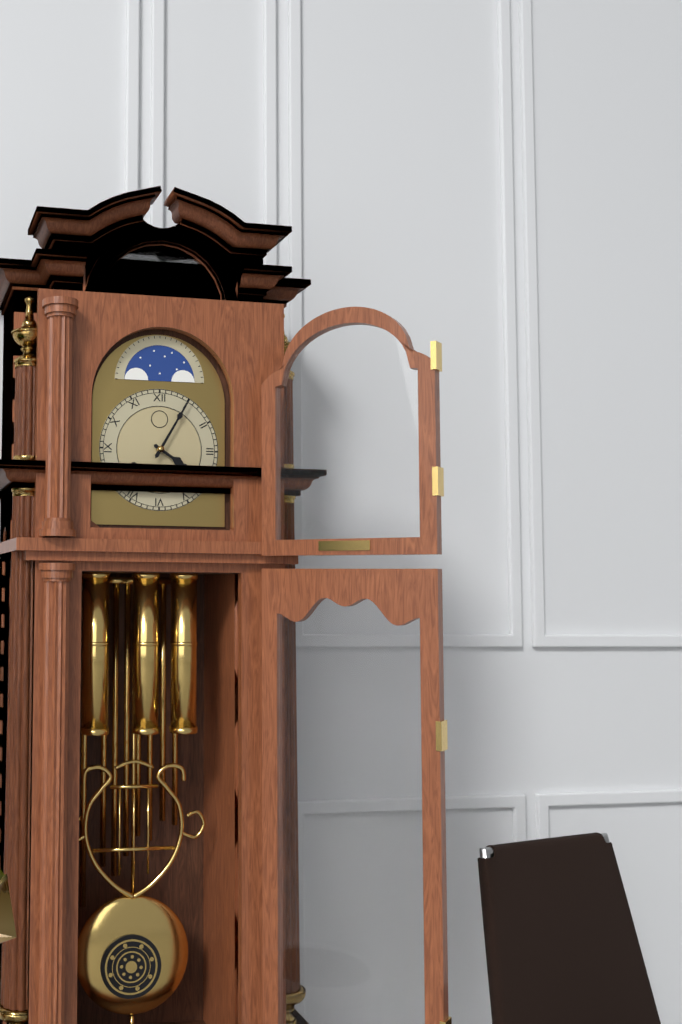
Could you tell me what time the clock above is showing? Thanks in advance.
4:05
